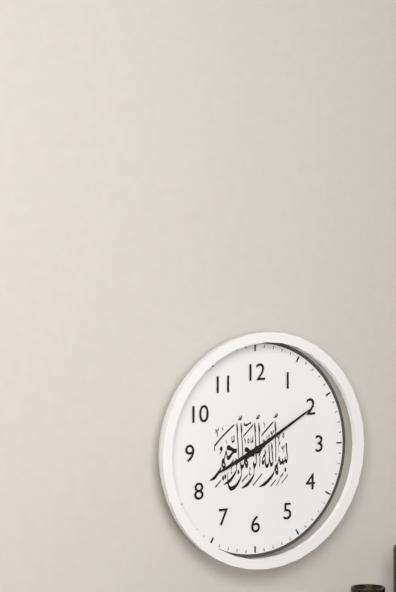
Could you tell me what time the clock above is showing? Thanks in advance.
8:10
